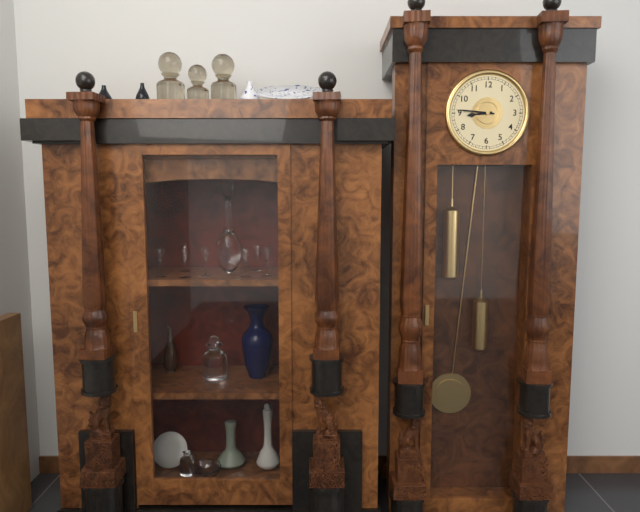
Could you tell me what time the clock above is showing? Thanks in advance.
8:46
